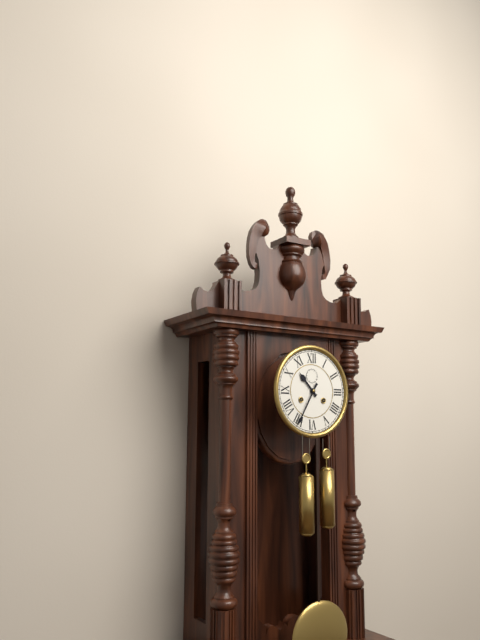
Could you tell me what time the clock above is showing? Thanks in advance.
10:35
